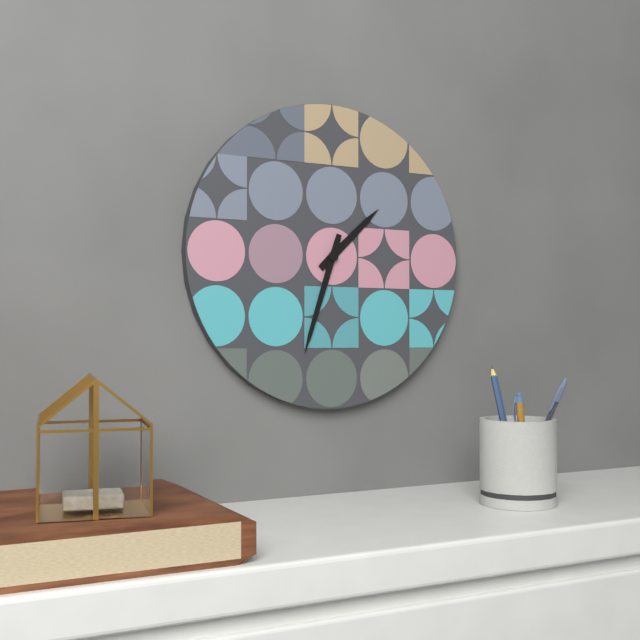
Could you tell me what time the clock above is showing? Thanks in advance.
1:33
